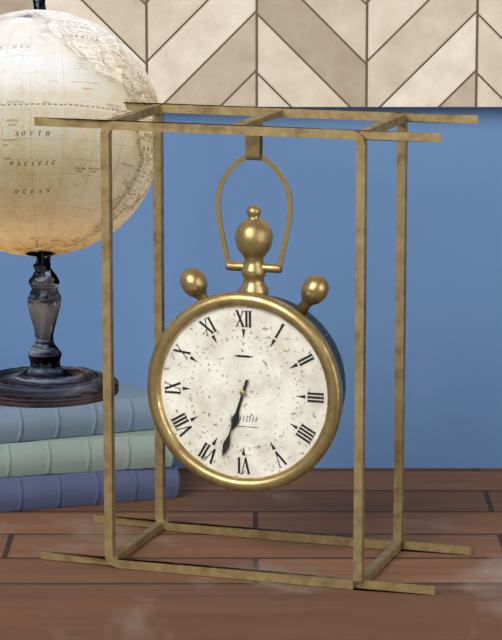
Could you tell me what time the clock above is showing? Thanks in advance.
6:33
